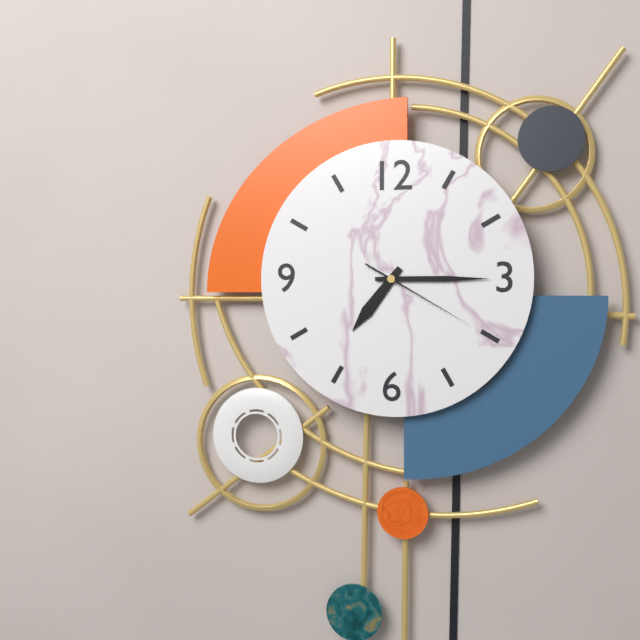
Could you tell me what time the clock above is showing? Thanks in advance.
7:15:20
